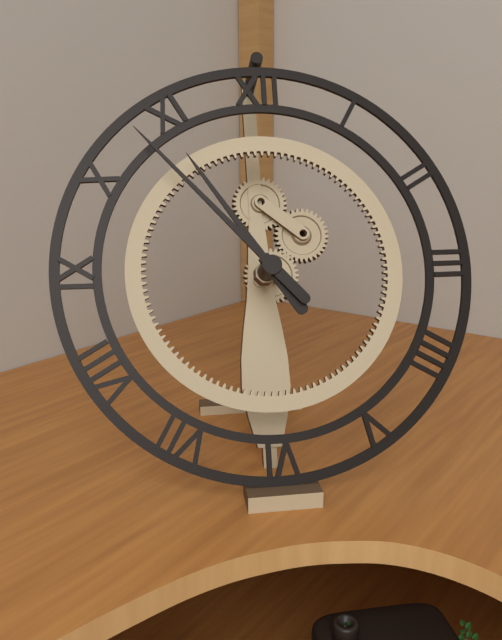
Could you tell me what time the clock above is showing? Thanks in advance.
10:53
